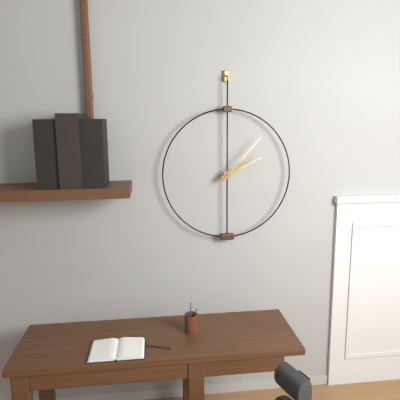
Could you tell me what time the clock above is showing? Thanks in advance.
2:07
